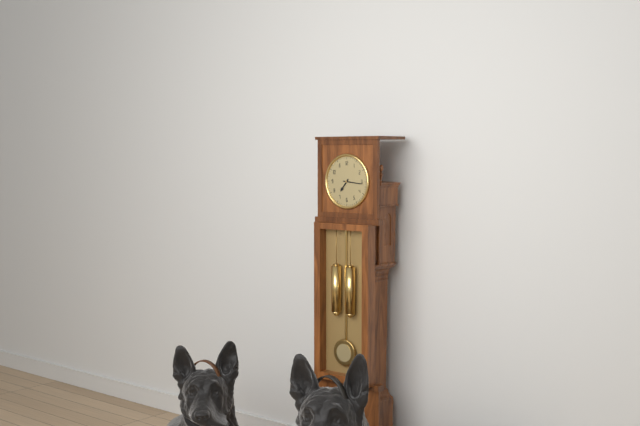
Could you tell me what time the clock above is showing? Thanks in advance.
7:16
